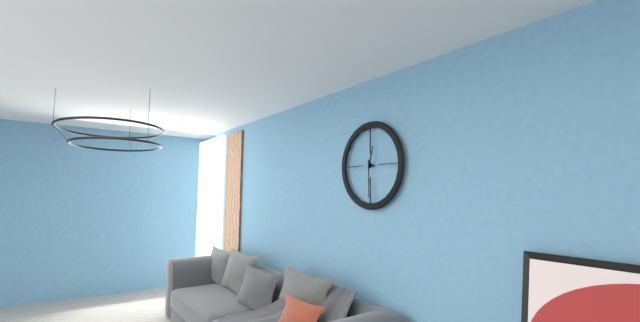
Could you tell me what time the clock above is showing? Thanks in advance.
12:30
